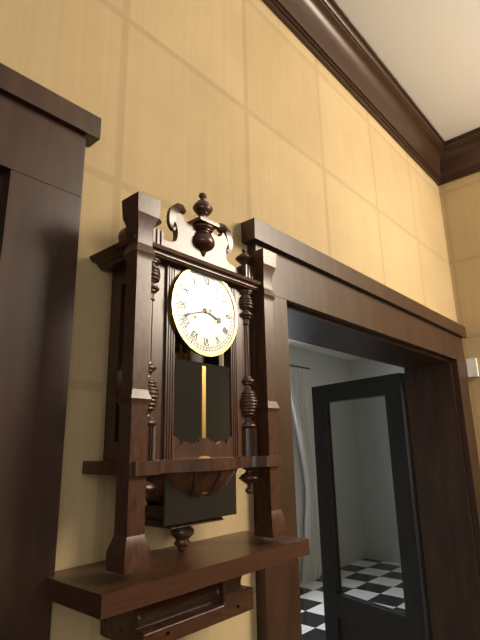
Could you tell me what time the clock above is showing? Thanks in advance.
3:42
